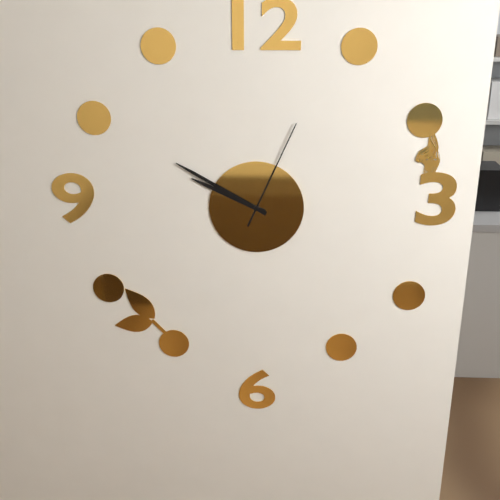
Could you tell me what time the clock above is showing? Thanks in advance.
9:50:04
